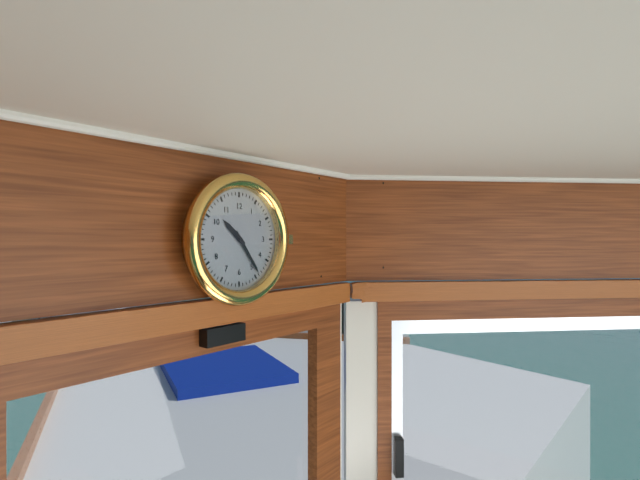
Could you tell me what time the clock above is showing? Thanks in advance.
10:24
